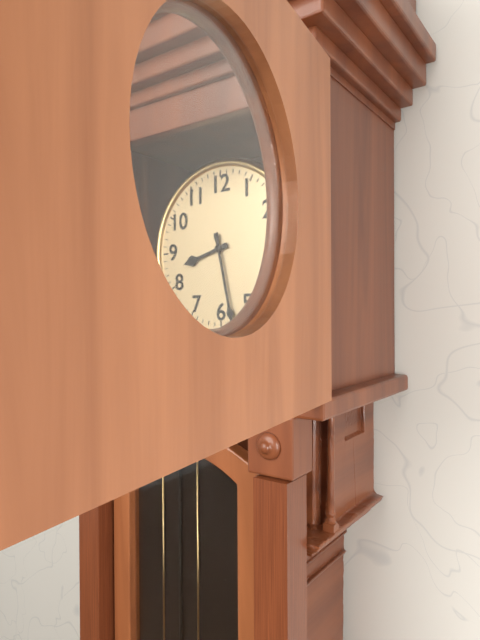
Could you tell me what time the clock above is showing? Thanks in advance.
8:28
